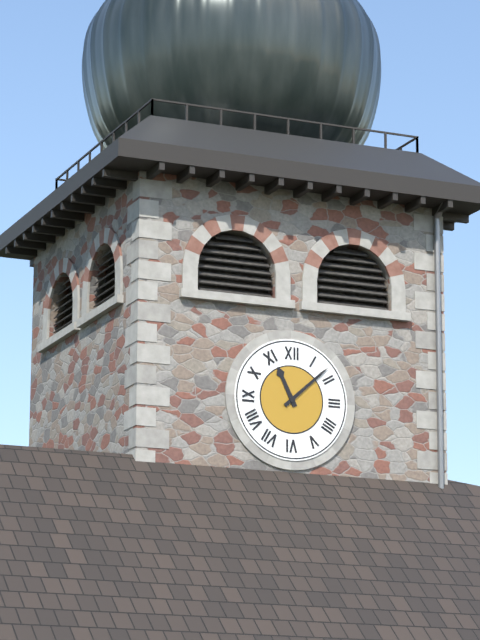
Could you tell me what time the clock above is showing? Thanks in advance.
11:08
